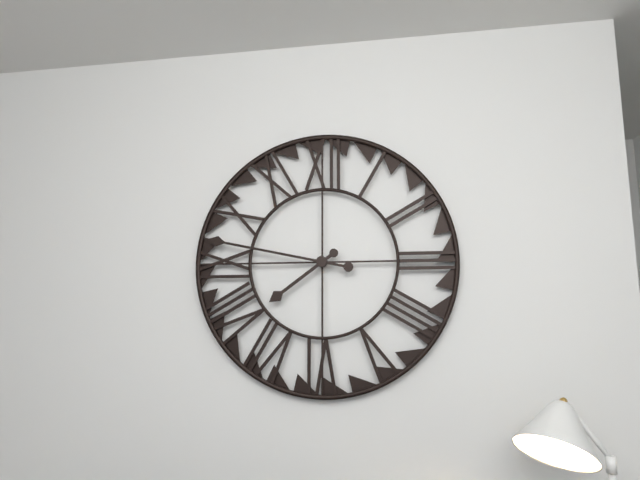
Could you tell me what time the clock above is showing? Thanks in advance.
7:47
